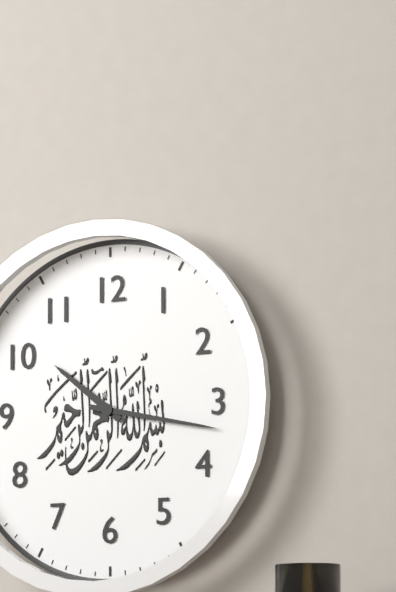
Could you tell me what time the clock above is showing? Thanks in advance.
10:17
